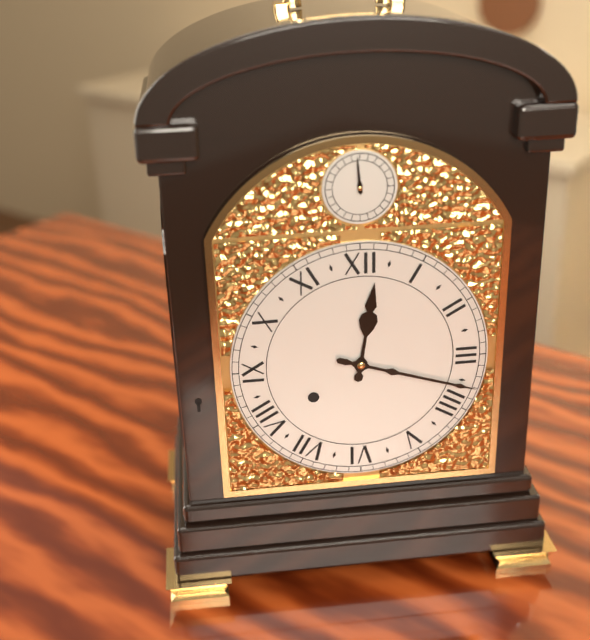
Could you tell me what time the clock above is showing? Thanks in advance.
12:18
